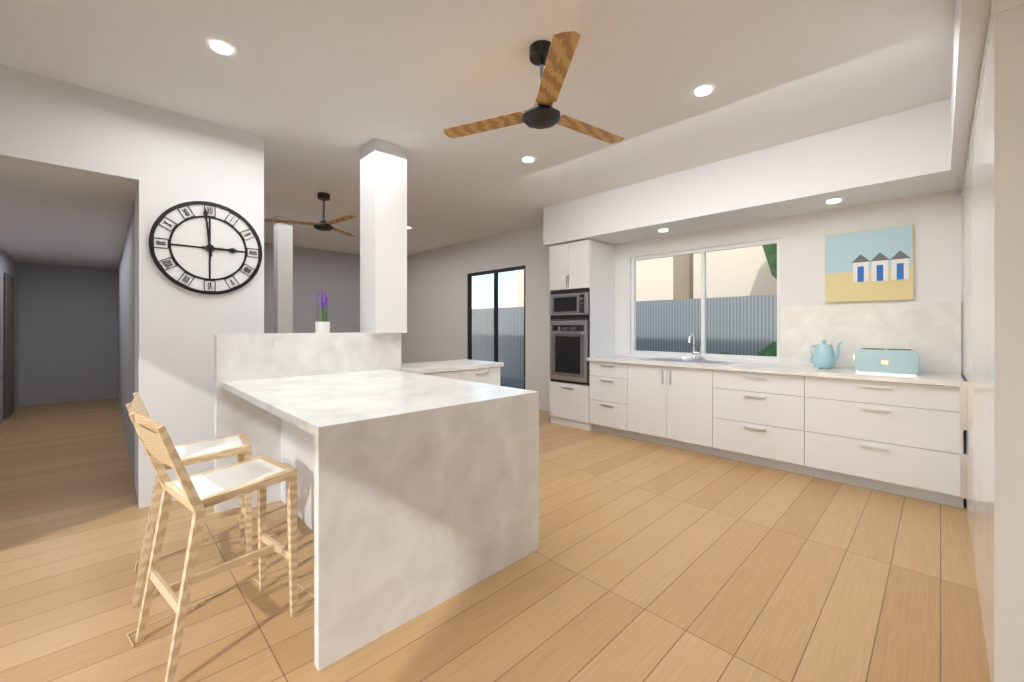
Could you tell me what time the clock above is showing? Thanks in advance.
2:59
